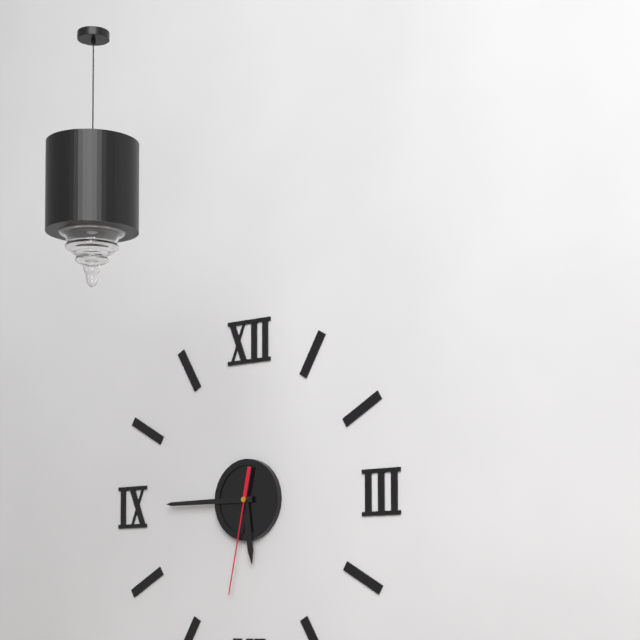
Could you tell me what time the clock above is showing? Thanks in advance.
5:45:32
